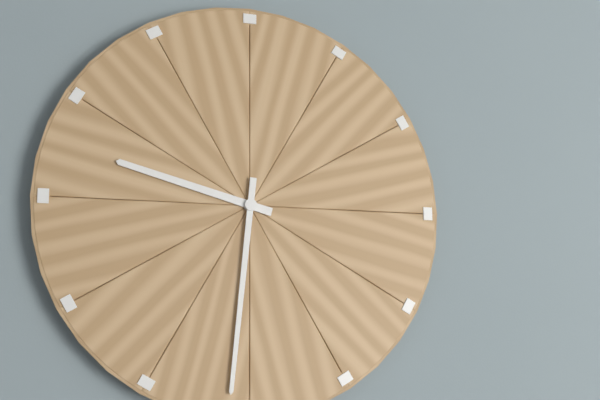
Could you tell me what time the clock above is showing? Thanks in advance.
9:31
